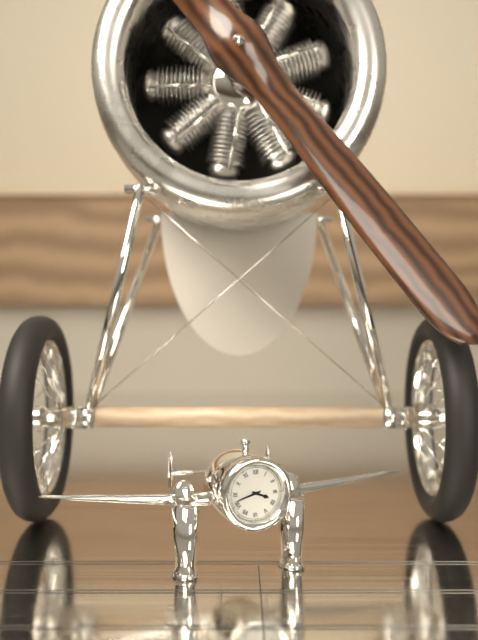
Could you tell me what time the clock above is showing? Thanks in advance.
3:42
